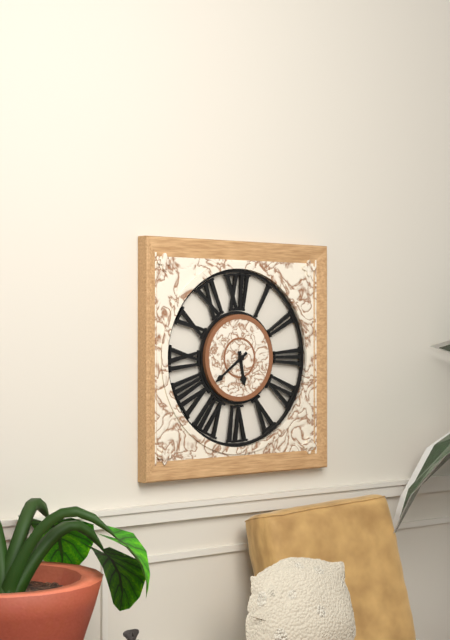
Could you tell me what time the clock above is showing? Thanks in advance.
5:39
